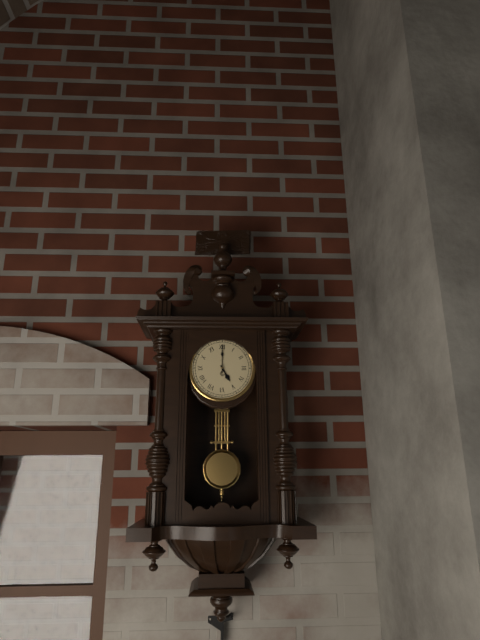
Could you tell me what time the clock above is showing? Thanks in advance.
5:00
